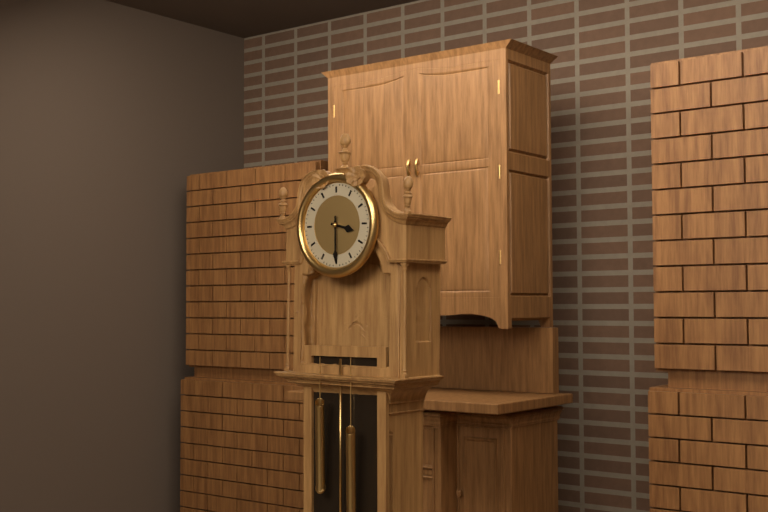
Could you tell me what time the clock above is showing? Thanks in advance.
3:30
